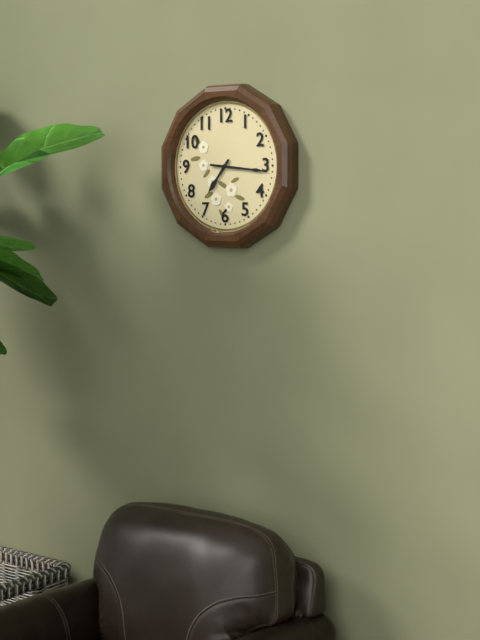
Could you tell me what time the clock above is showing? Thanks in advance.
7:16
